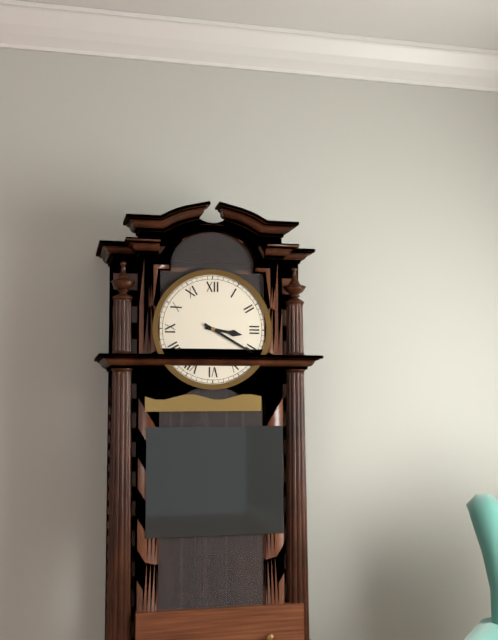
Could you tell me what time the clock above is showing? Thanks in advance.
3:20
